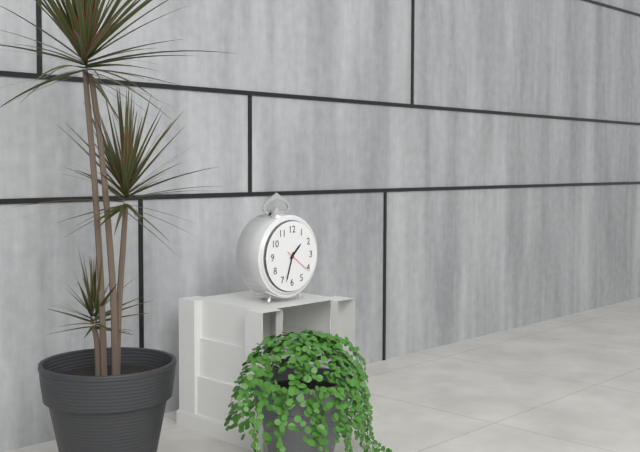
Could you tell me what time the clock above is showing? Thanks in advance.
1:33
